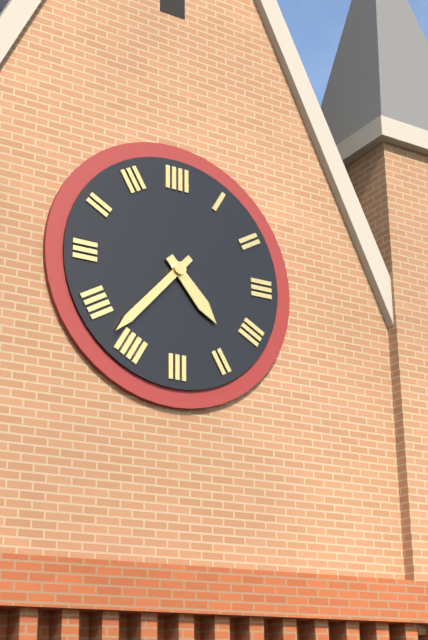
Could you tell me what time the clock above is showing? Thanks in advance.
4:37
